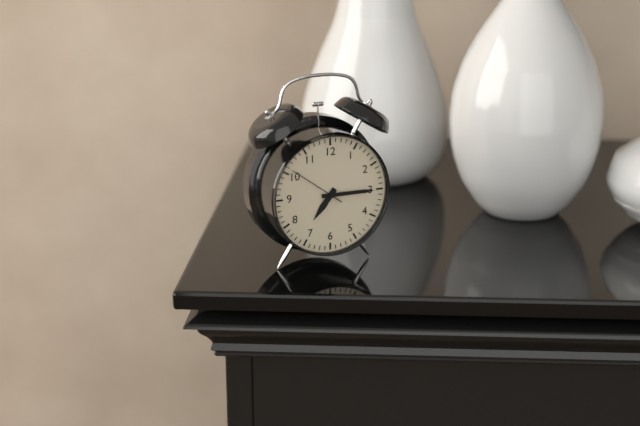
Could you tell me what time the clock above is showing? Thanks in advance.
7:15:51
